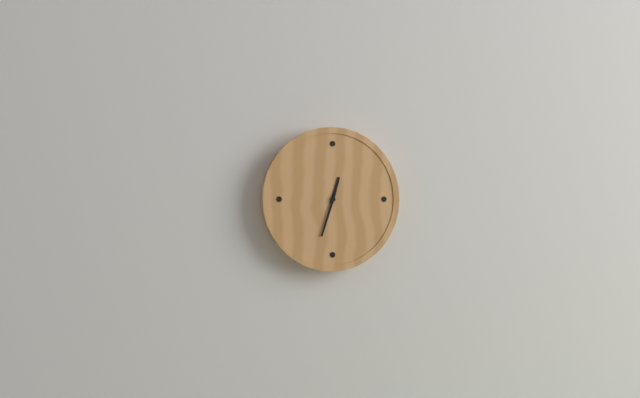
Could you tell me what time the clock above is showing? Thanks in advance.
12:33
